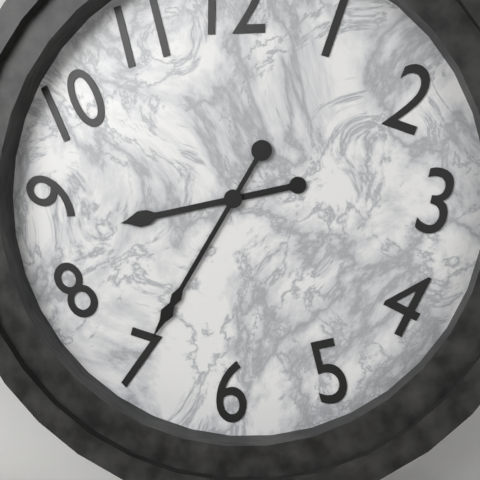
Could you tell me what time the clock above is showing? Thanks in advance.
8:35
